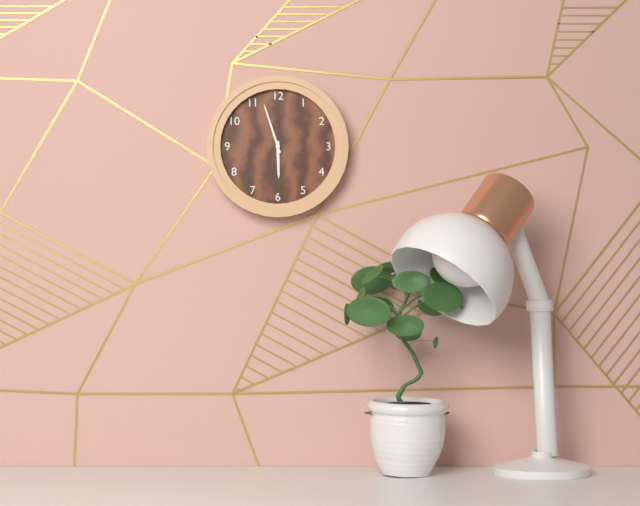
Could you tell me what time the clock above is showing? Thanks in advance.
5:57
